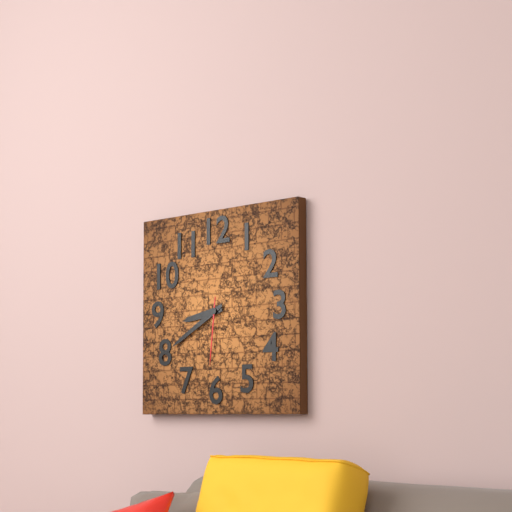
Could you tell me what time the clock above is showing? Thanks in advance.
8:40:31
